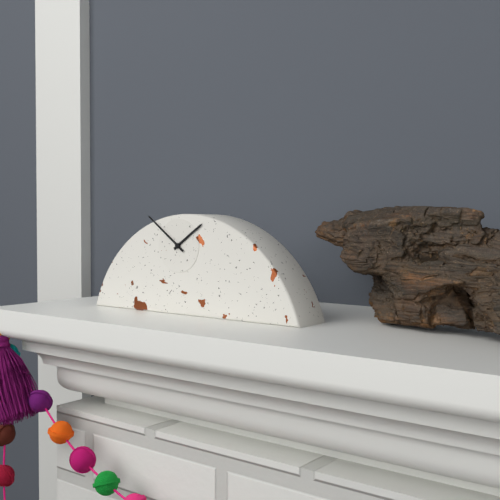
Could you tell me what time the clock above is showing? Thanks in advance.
1:51
